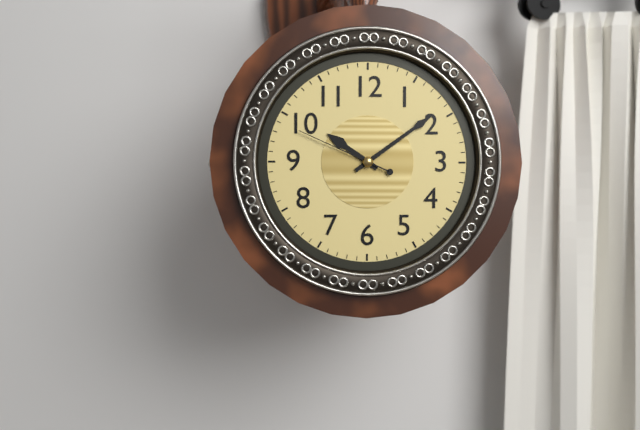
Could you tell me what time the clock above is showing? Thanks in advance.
10:09:49
